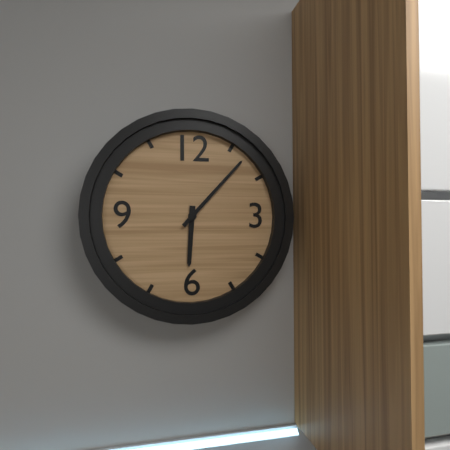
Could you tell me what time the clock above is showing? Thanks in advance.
6:07
